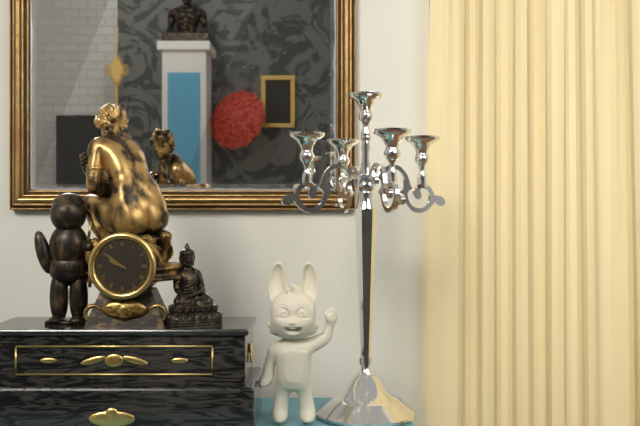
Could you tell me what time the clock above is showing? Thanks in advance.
9:51
